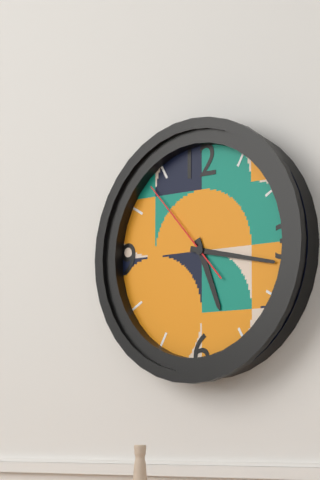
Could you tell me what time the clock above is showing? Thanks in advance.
5:17:53
